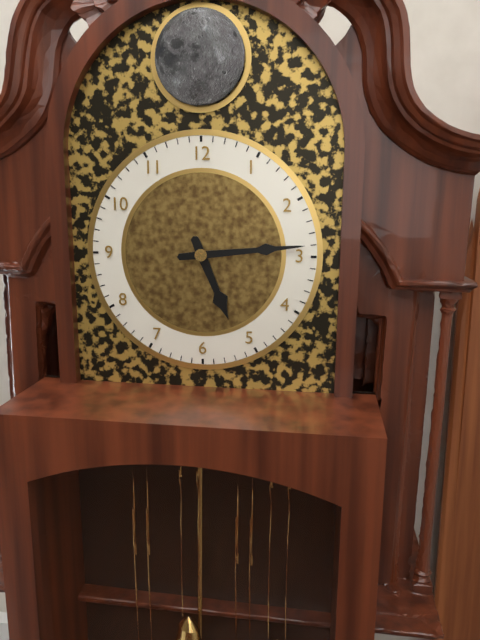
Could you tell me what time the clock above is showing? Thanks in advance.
5:14
